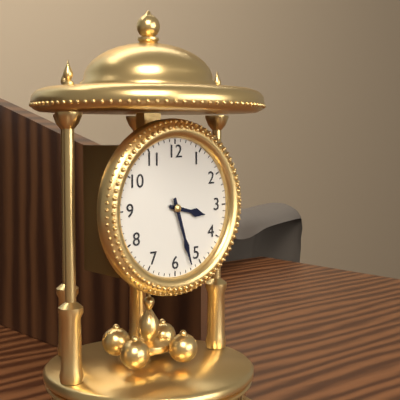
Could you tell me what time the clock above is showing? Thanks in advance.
3:27
